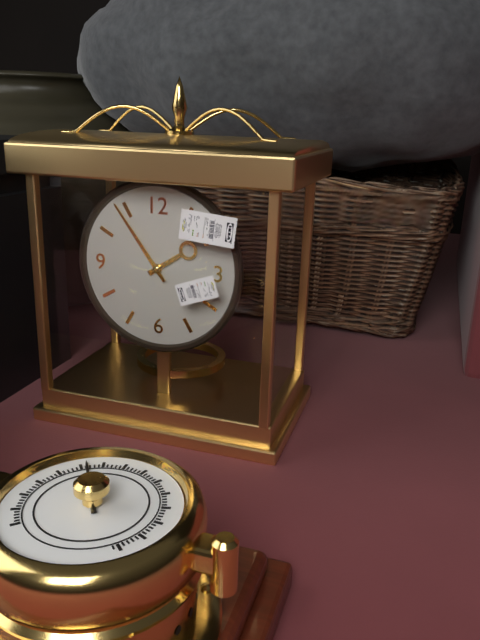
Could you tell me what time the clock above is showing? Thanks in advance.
1:54
